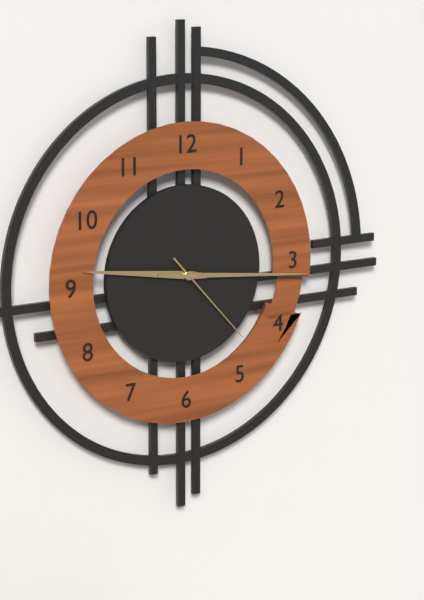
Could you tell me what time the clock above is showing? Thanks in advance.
9:16:23
